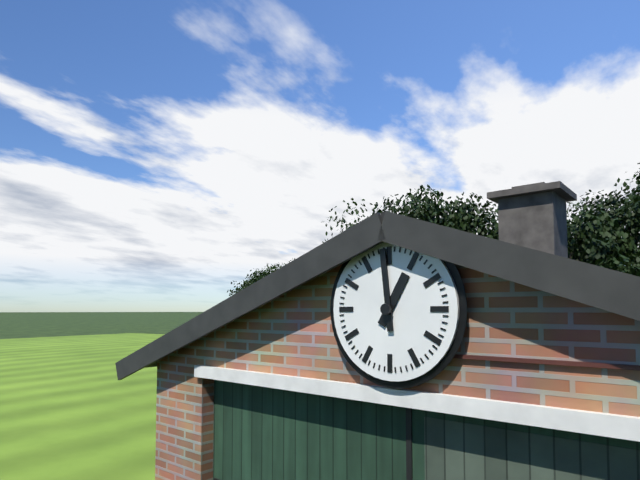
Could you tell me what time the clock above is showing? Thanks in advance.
12:59
